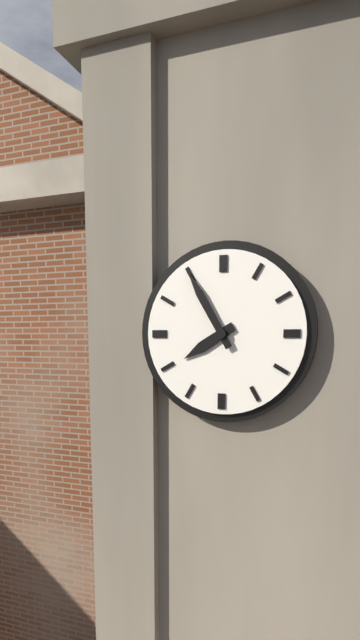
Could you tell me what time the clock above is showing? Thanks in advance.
7:55
